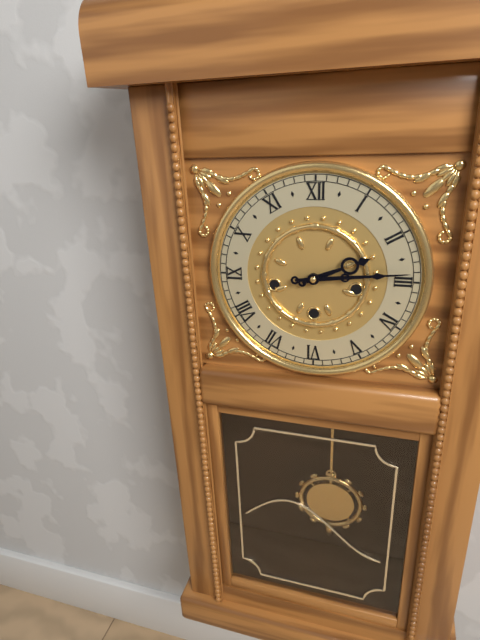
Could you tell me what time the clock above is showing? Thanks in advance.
2:14
